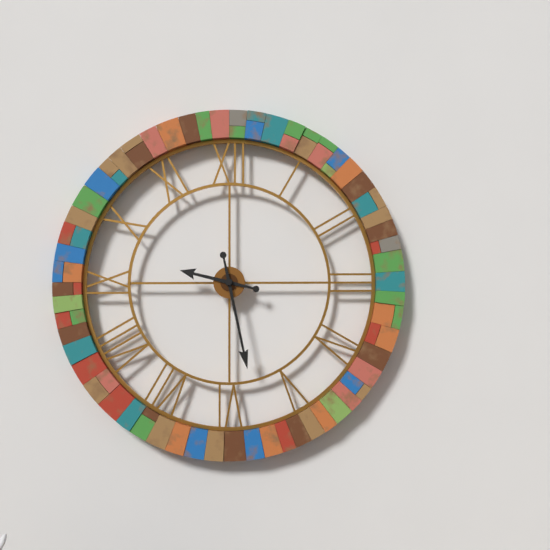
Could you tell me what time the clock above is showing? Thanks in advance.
9:28
